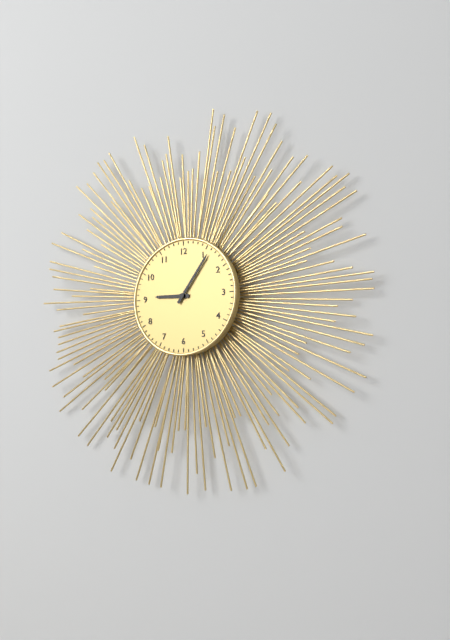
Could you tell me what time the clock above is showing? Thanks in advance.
9:06
